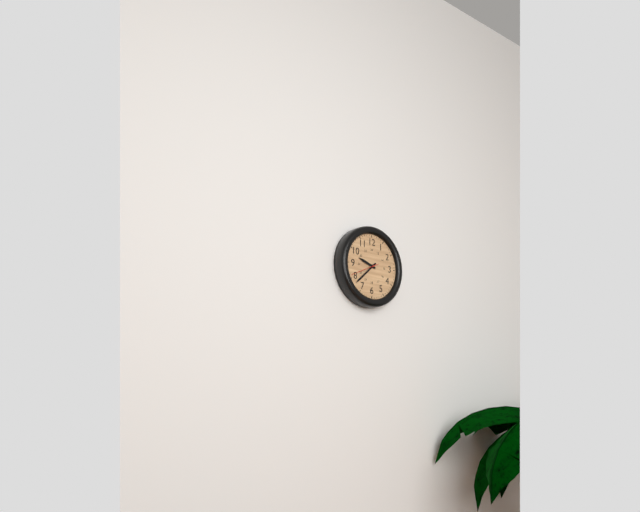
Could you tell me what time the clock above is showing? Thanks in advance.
9:38
